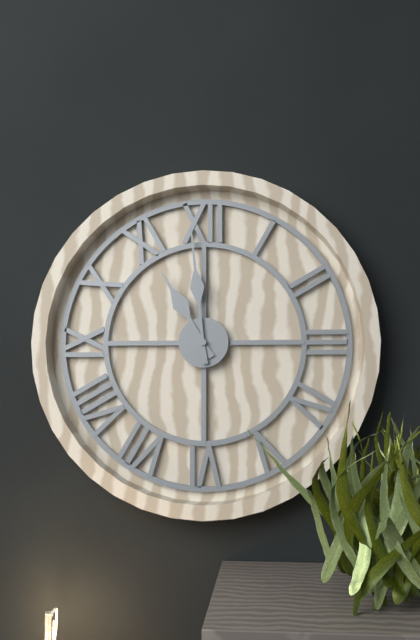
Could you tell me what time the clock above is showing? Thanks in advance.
10:59
